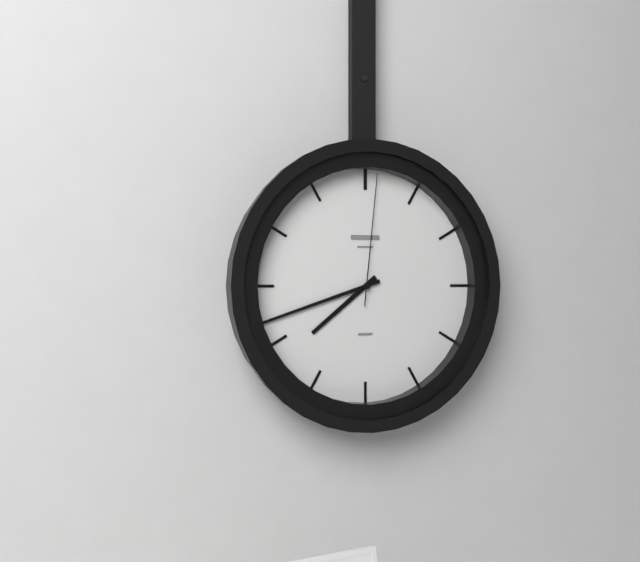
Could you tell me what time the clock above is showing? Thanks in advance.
7:42:01
